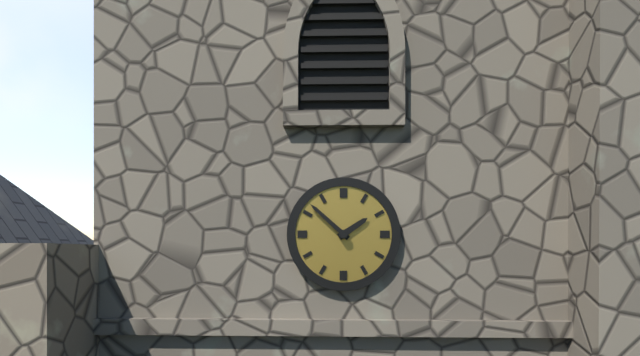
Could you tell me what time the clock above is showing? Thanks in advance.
1:52
